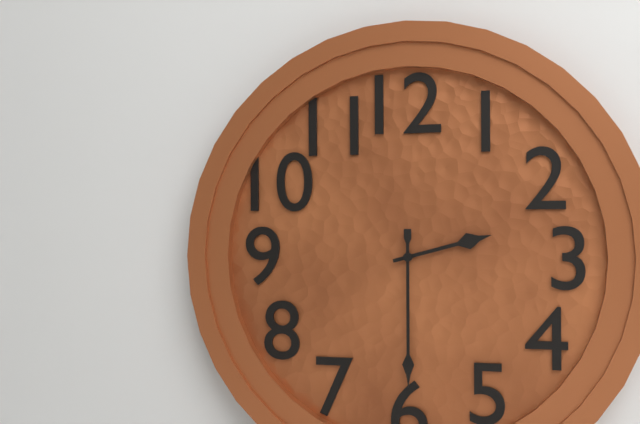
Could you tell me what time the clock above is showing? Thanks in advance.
2:30
